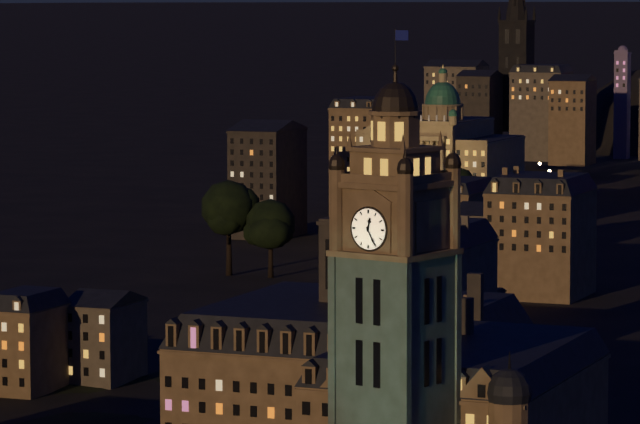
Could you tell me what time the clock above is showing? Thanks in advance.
12:25
